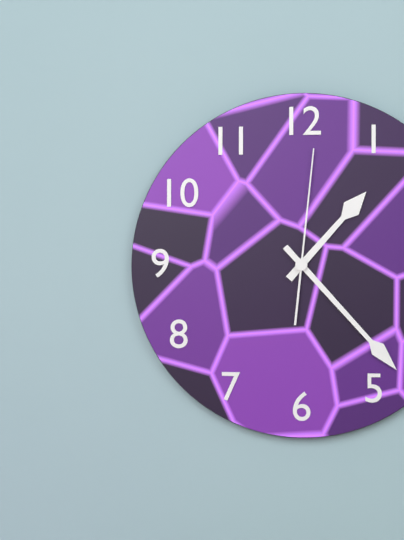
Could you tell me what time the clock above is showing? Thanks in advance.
1:23:01
